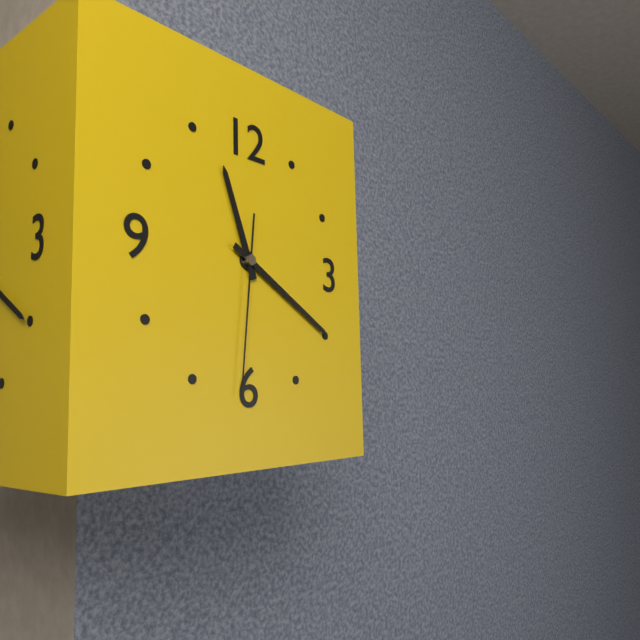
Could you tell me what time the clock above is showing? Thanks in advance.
11:20:31
